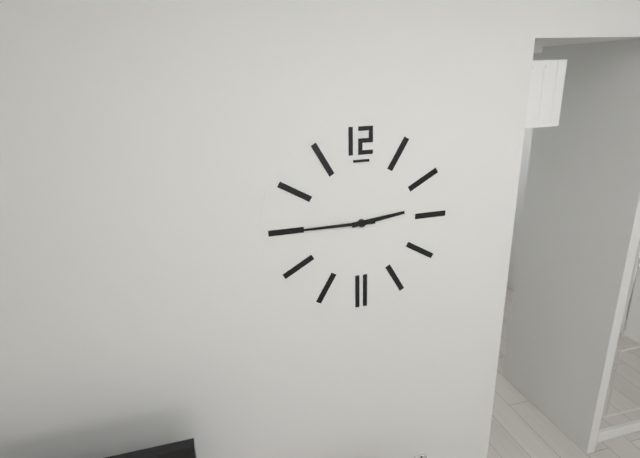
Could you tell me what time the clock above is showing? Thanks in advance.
2:45
